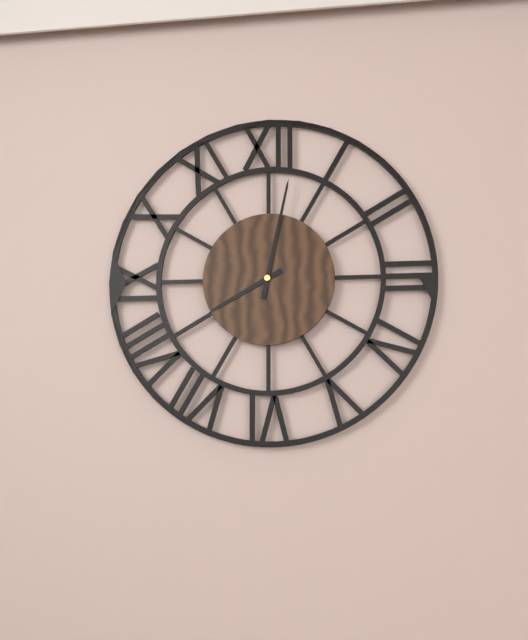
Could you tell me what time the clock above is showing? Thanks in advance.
8:02
